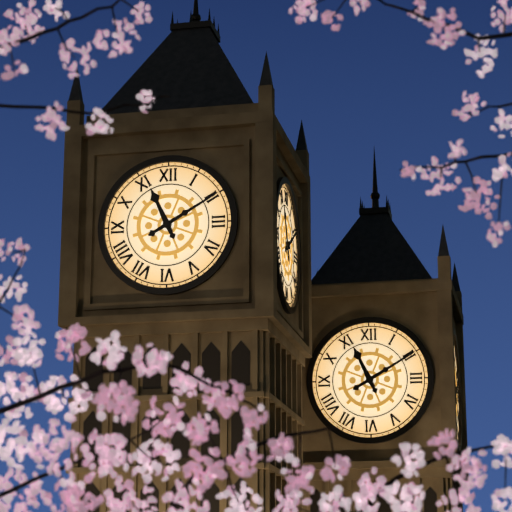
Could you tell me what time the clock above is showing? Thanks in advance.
11:10
